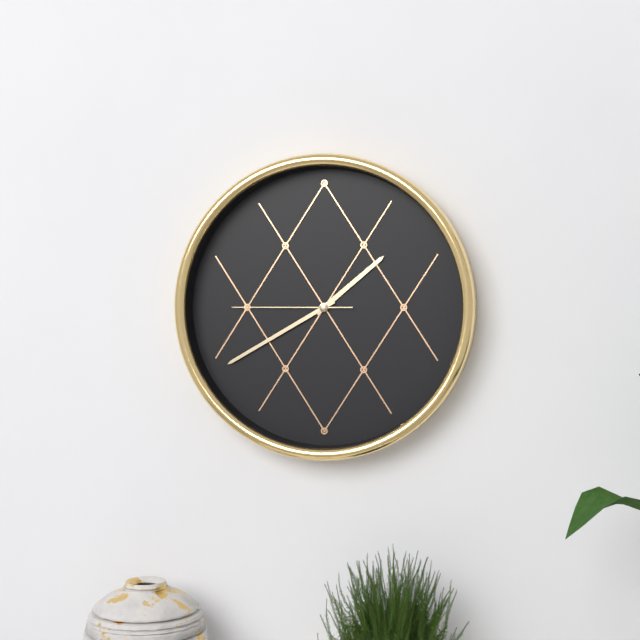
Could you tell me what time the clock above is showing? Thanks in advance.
1:40:45
